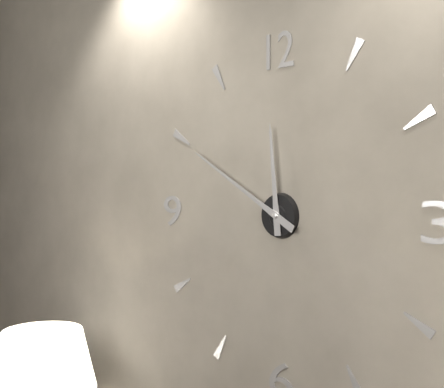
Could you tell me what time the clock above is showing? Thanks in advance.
11:50
